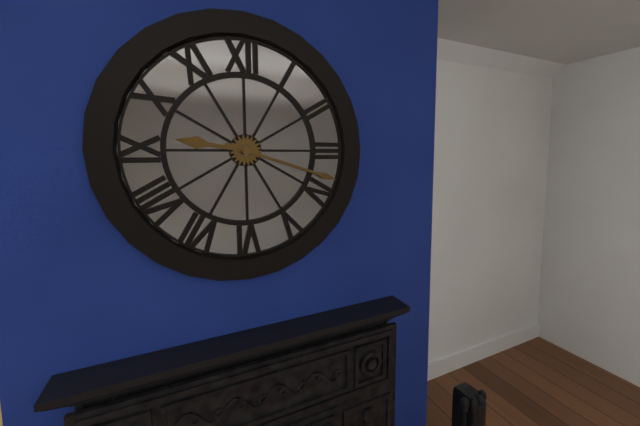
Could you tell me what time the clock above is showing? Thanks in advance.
9:18
